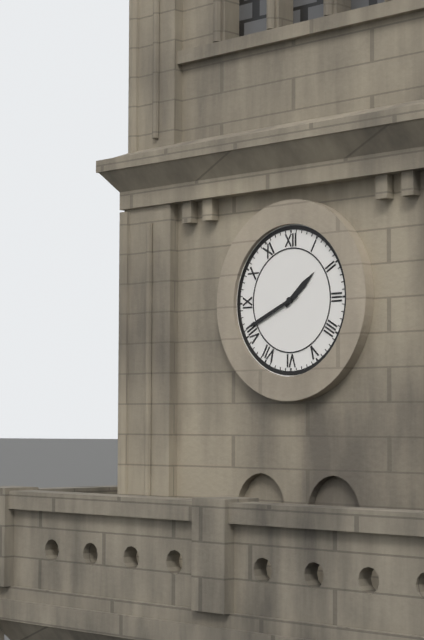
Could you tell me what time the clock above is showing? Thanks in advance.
1:41
